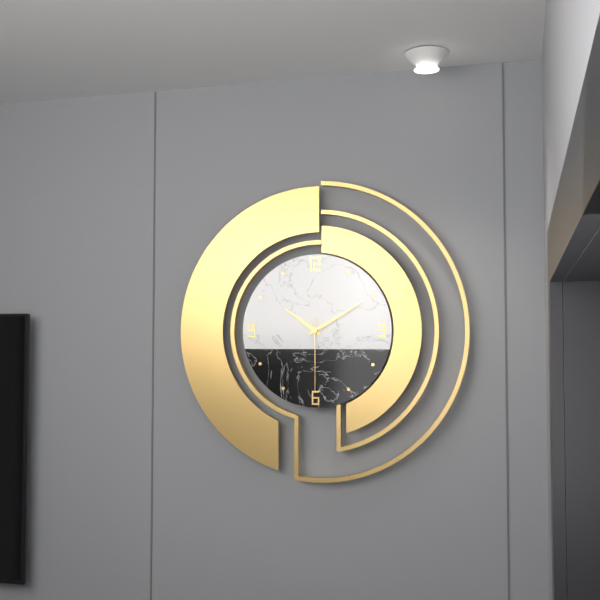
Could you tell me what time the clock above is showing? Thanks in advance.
10:10:30
